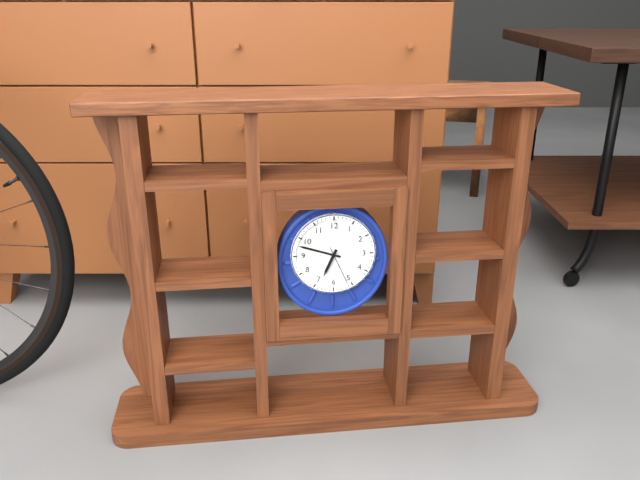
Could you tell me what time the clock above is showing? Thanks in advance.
6:48
